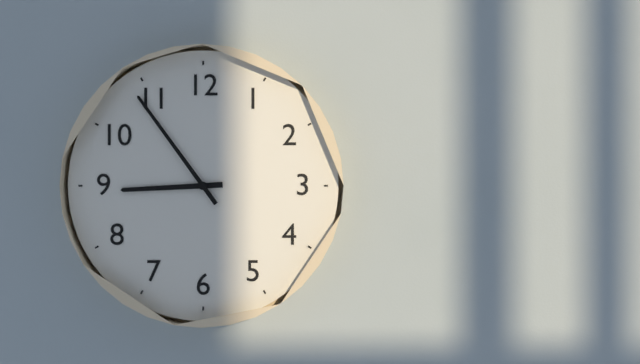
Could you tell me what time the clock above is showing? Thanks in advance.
8:54
